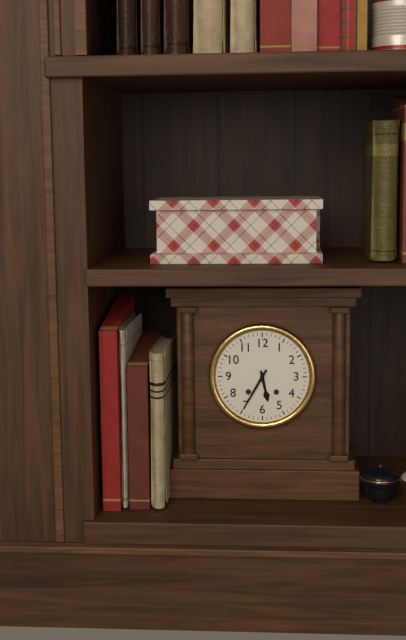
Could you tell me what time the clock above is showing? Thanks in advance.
5:35
